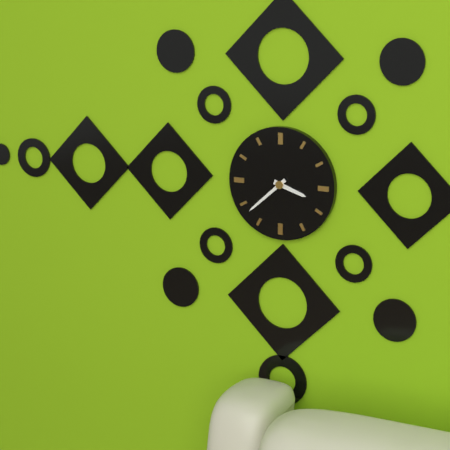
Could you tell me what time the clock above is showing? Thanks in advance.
3:38
